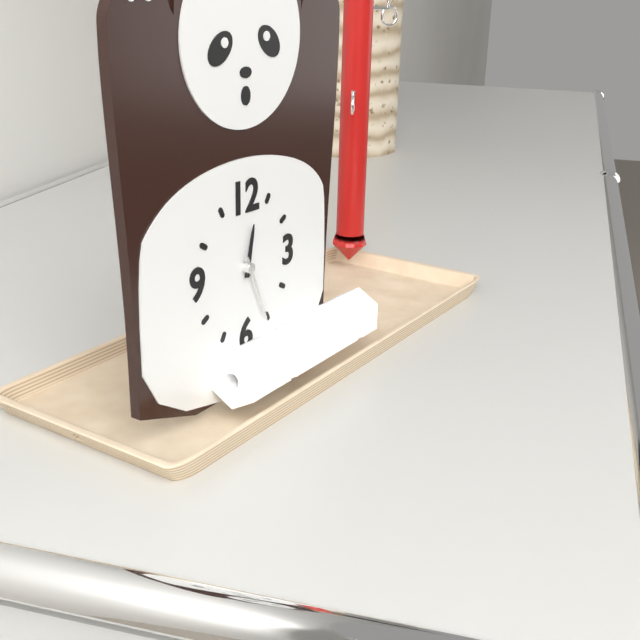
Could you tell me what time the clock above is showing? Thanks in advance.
12:26
